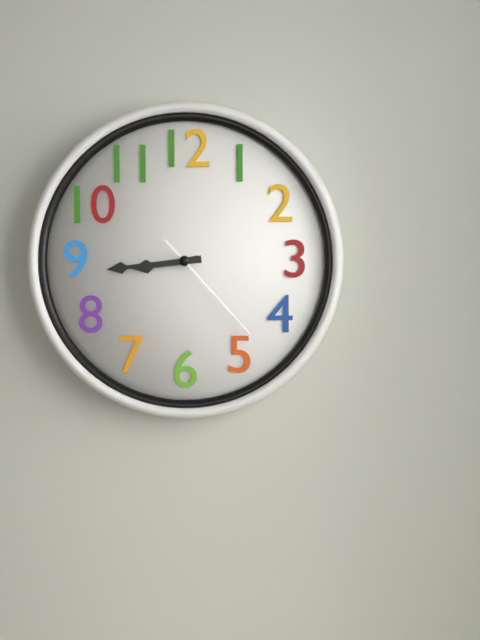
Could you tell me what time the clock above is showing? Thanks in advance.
8:44:23
